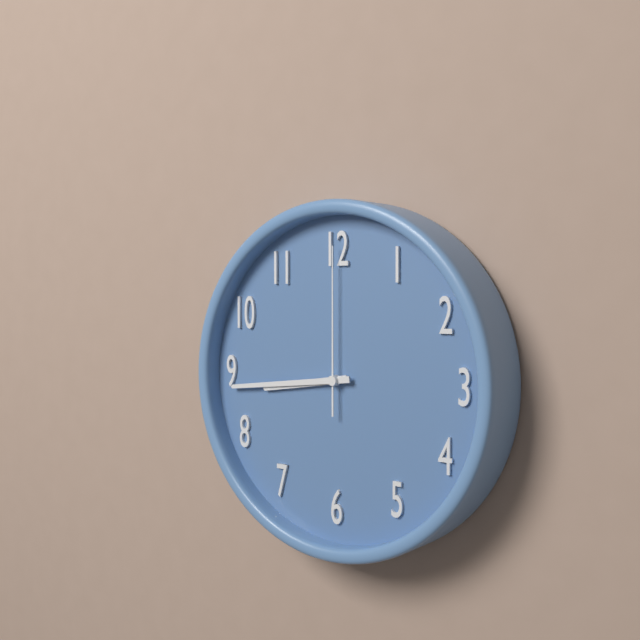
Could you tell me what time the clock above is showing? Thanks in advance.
8:44:00
